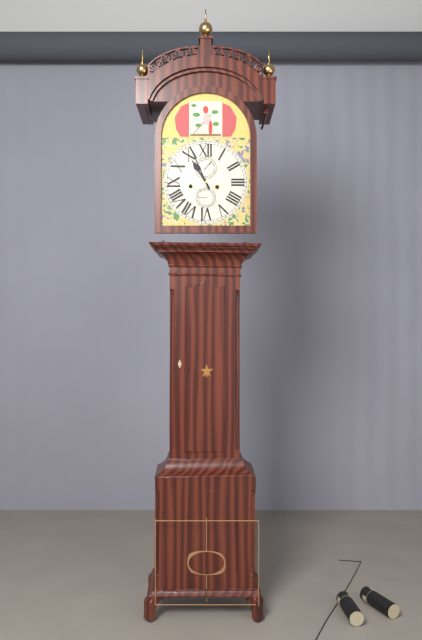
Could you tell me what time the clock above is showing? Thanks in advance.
10:56
